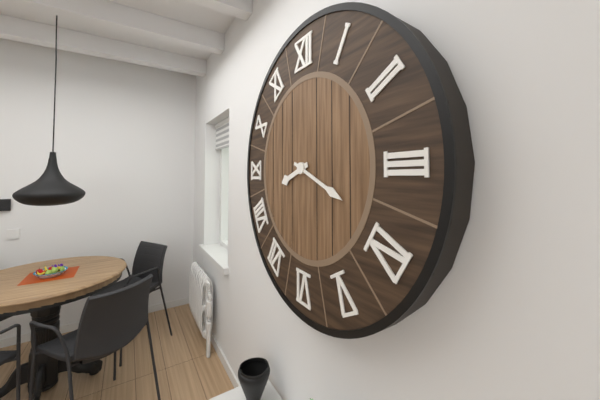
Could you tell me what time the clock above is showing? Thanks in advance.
8:19
